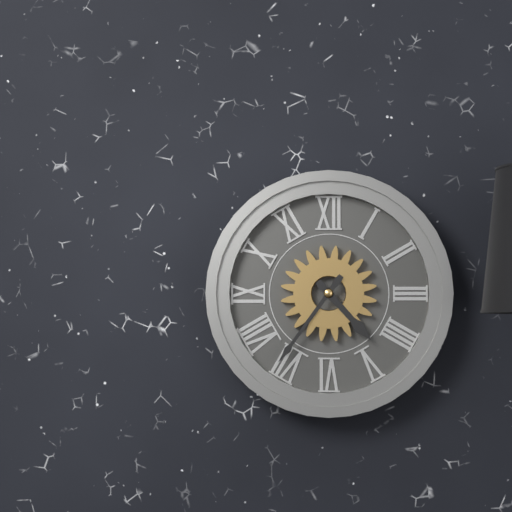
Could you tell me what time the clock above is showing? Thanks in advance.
4:36
